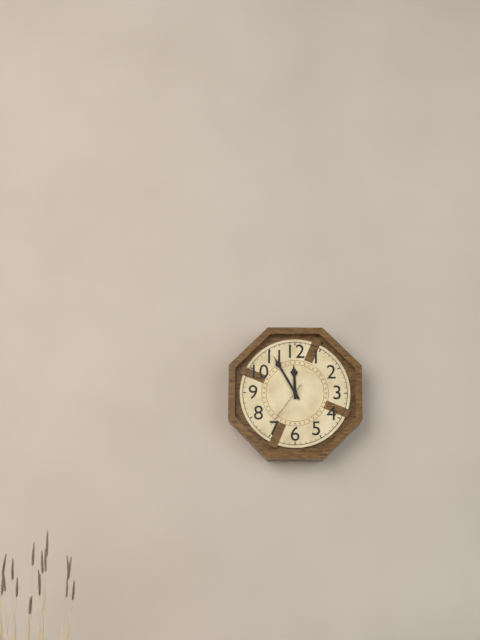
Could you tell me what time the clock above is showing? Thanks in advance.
11:55
